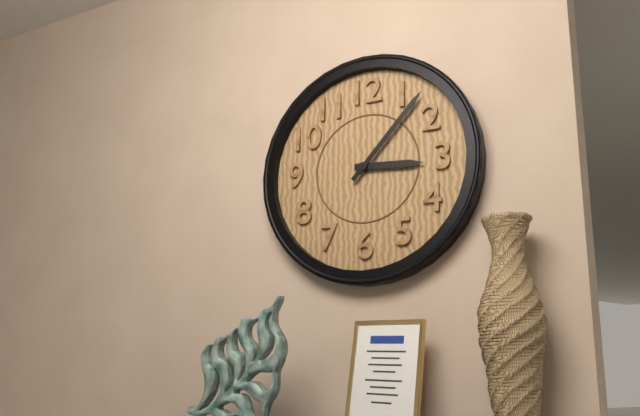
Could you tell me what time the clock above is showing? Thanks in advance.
3:07
